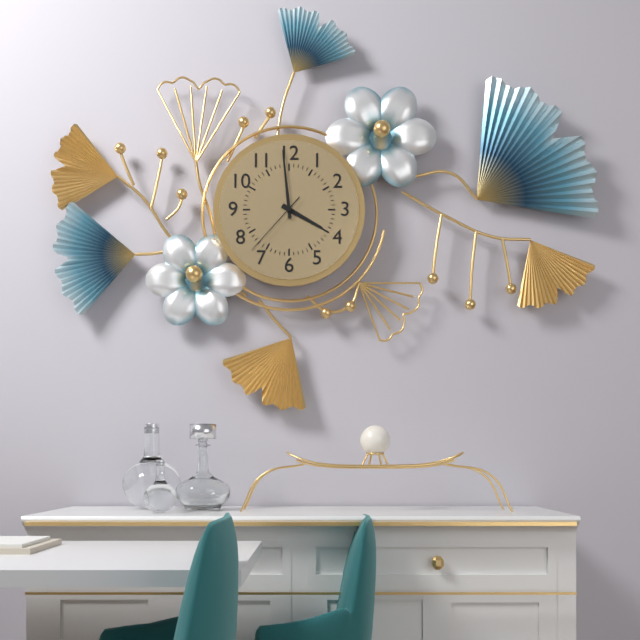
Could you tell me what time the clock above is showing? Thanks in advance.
3:59:37
